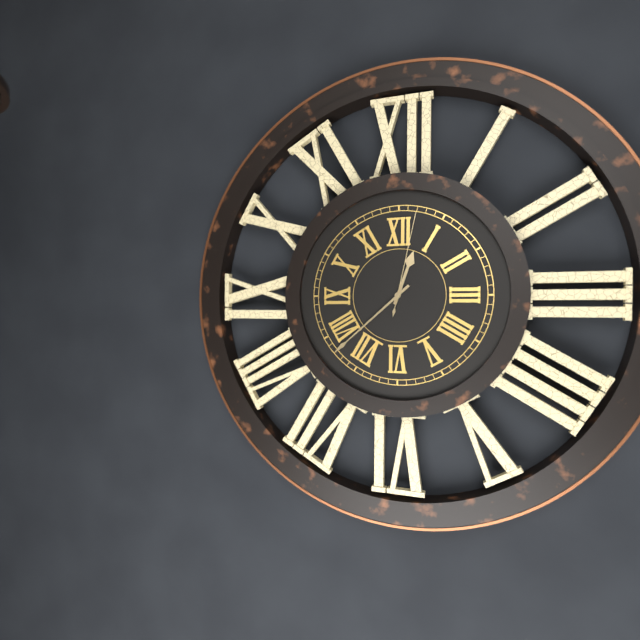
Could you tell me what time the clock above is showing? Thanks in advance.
12:38:02
